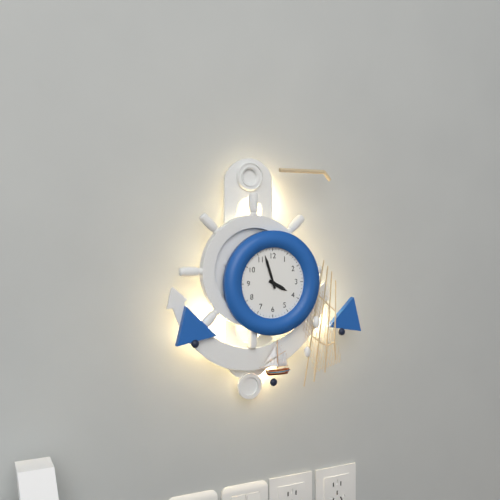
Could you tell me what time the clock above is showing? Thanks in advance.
3:57
